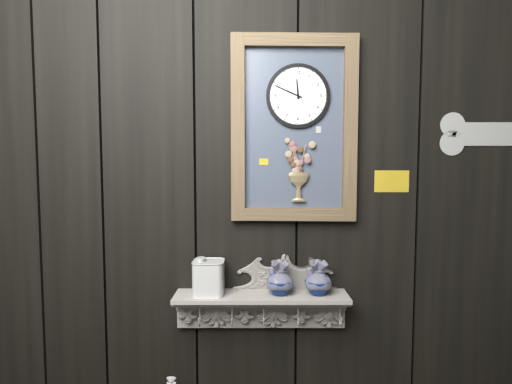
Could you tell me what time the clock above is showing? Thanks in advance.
11:49
